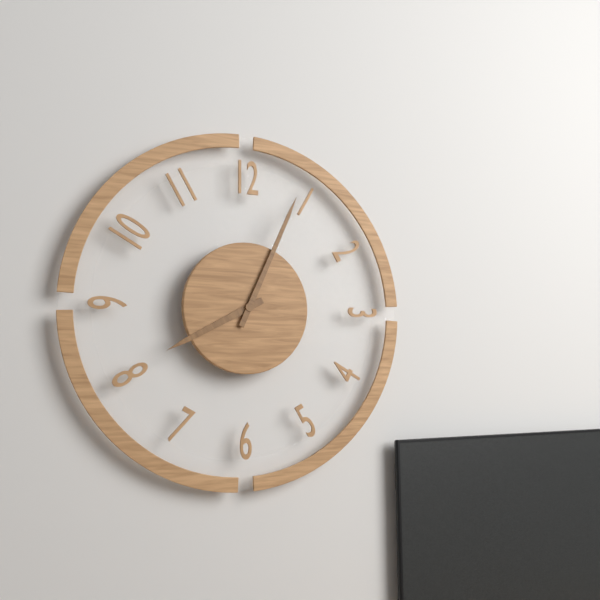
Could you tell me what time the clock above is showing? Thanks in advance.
8:04
